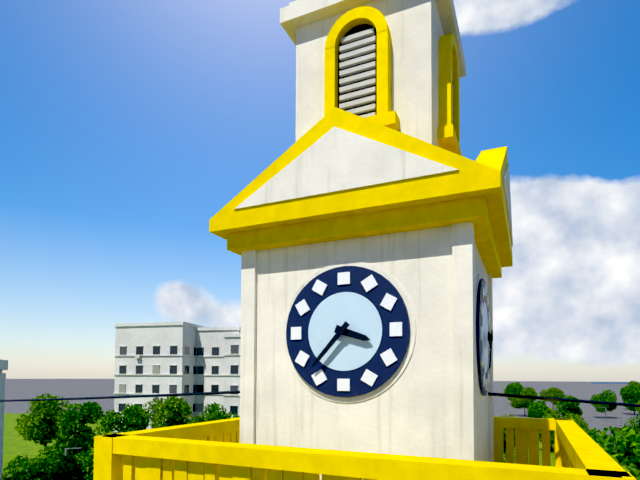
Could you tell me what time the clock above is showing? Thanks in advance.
3:37
